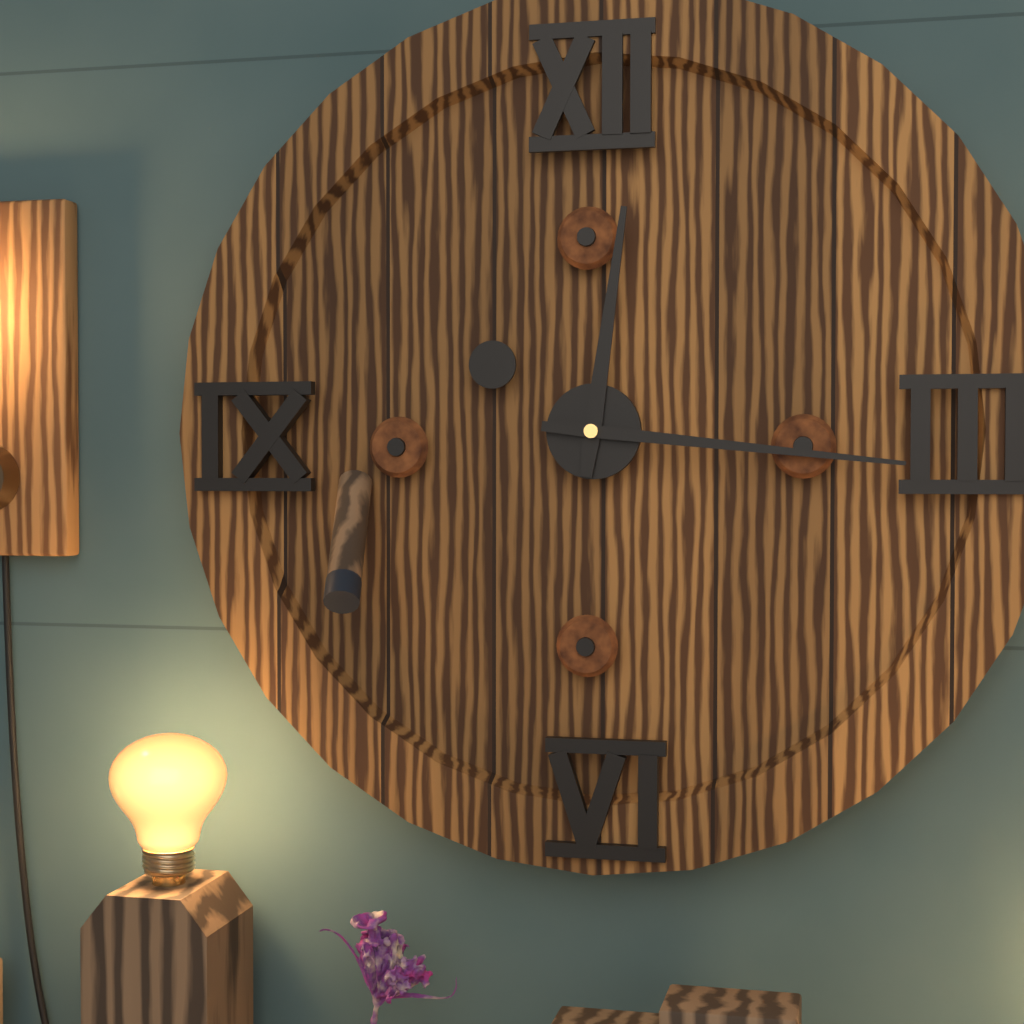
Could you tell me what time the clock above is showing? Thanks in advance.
12:16
